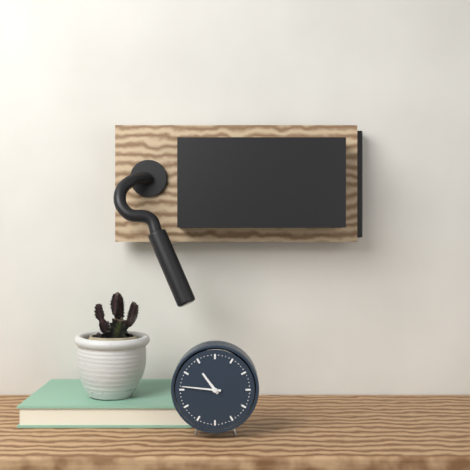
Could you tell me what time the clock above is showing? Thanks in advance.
10:46
